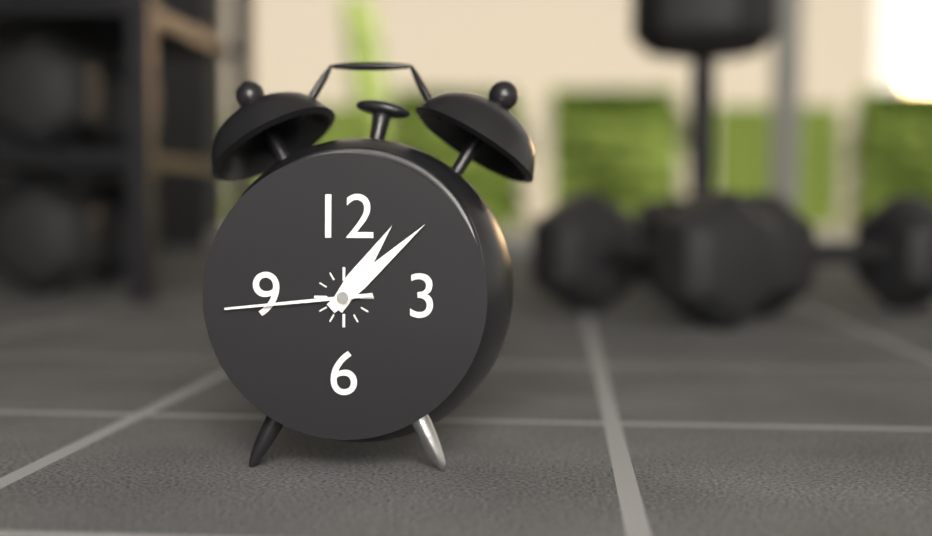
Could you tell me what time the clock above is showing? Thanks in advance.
1:08:44
